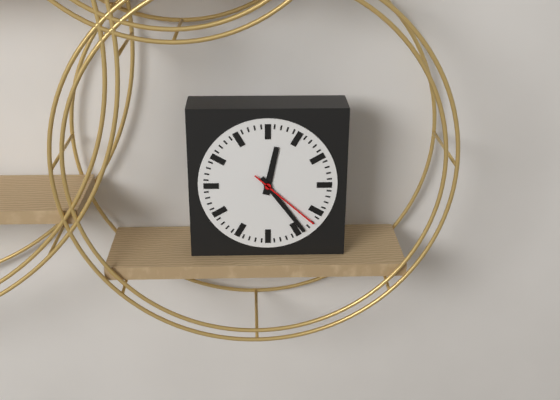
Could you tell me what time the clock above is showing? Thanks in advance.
12:24:22
